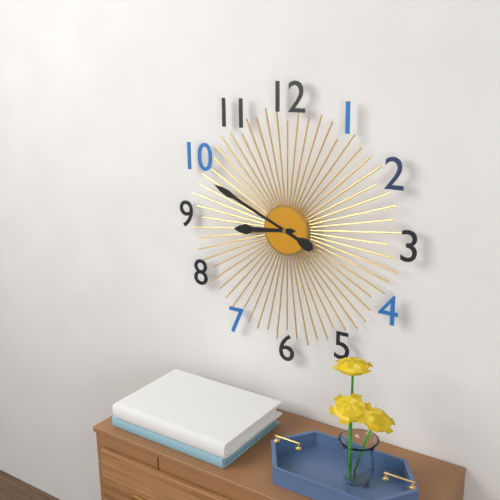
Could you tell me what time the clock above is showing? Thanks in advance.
8:49
